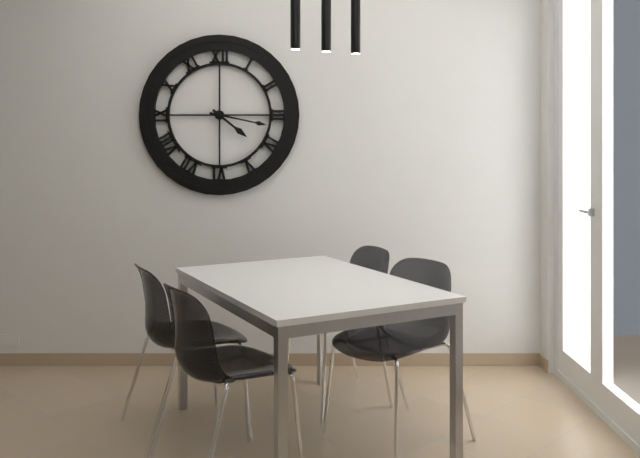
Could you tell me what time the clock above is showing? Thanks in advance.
4:17
